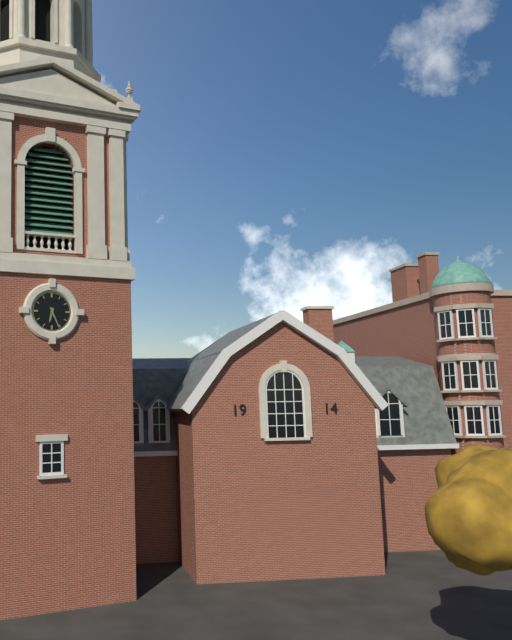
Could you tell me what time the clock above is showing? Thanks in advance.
6:26
